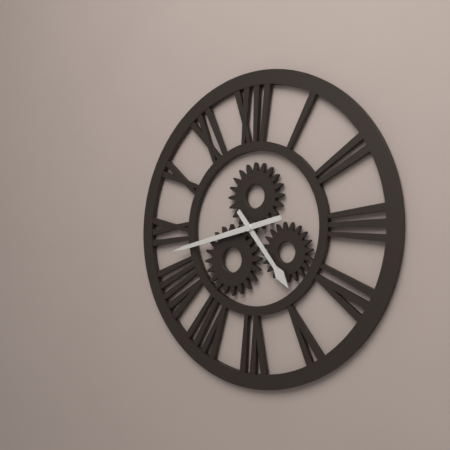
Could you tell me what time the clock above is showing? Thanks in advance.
4:43
